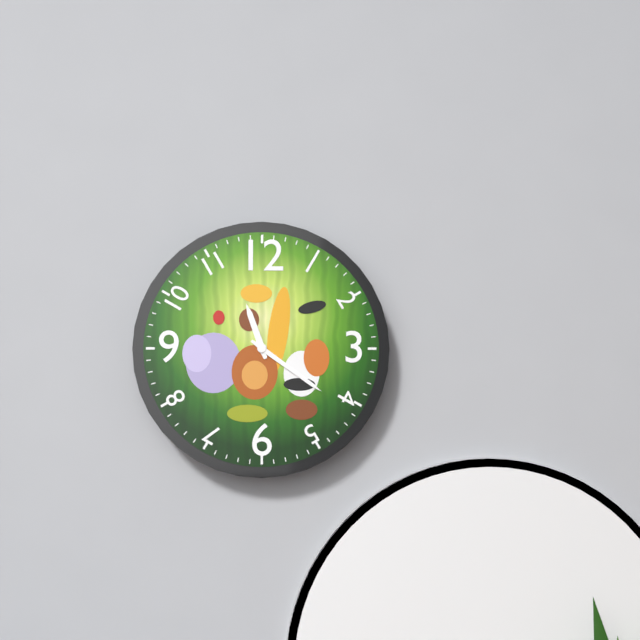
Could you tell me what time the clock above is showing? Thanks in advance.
11:21
